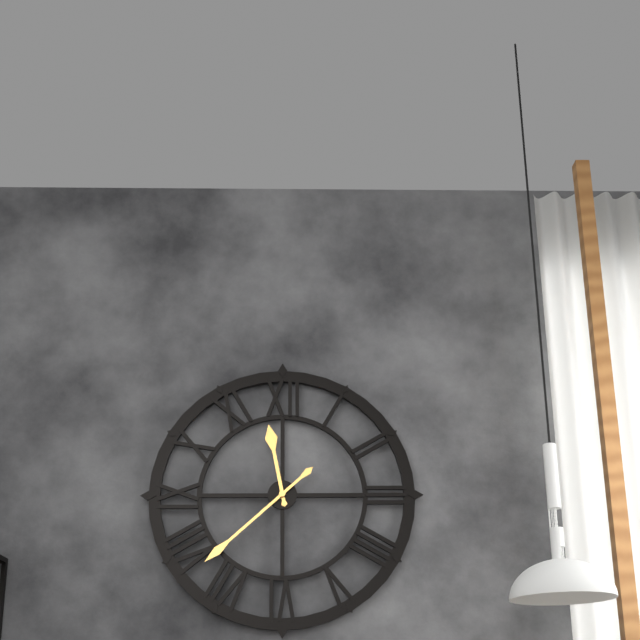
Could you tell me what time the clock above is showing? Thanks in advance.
11:38
